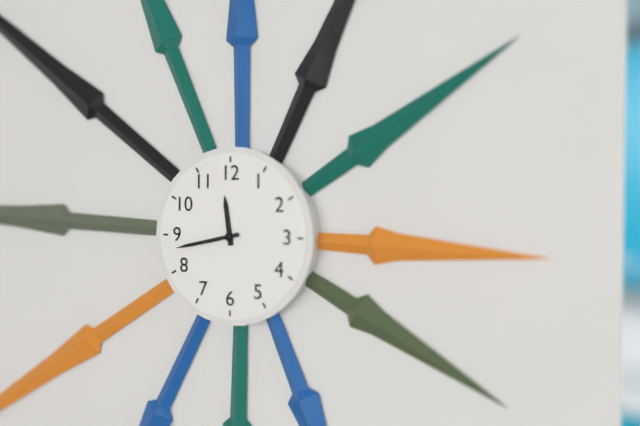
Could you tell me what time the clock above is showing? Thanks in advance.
11:43
